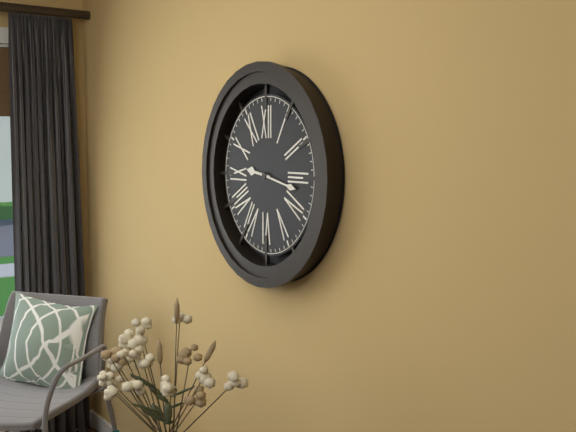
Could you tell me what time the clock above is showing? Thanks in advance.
9:17
